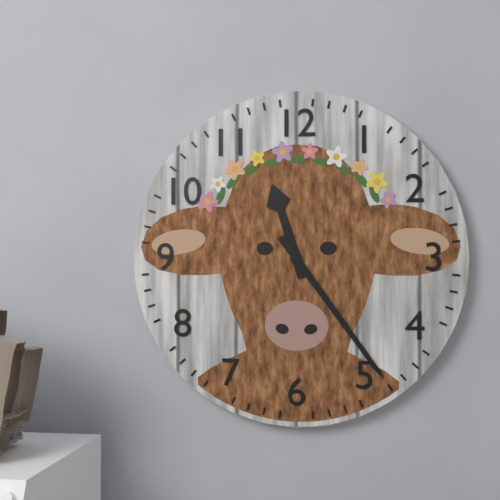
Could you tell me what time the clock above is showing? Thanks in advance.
11:24
